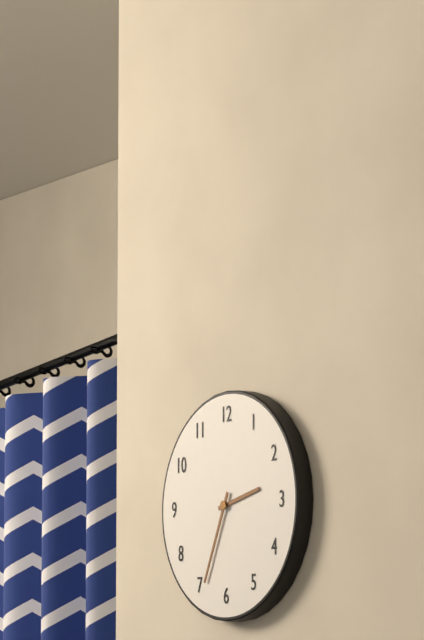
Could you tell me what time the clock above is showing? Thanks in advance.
2:34
